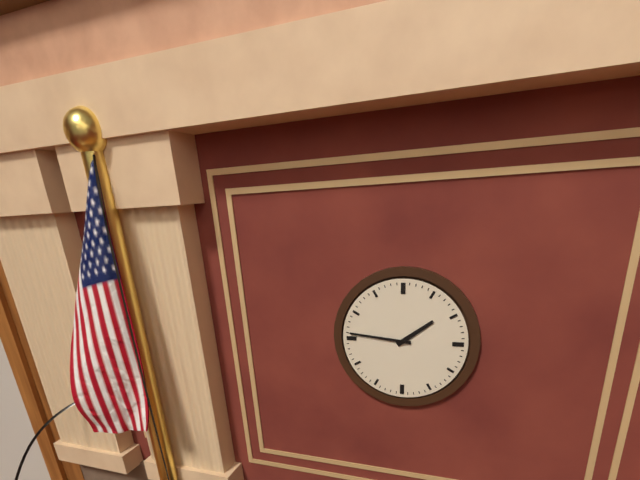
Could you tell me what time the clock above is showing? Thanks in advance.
1:46
